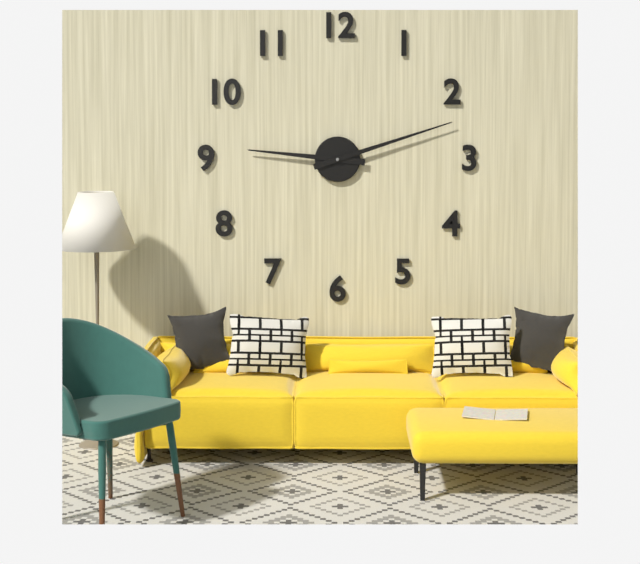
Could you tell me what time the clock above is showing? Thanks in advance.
9:12
